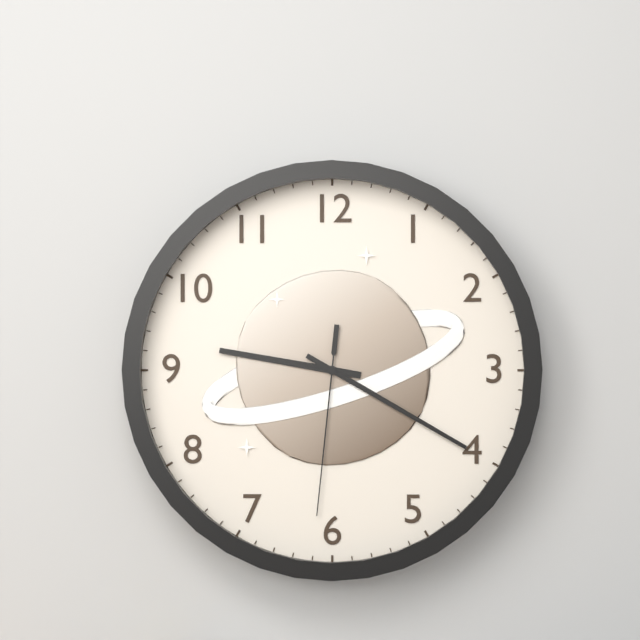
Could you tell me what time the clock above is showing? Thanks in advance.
9:20:31
